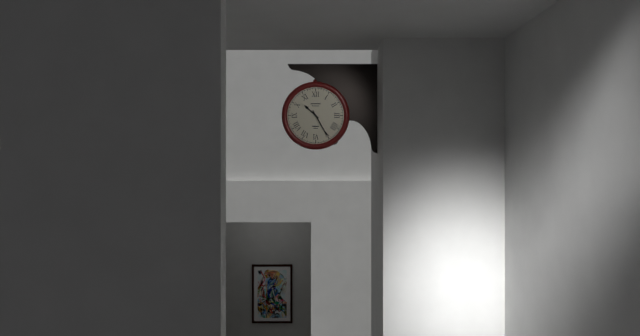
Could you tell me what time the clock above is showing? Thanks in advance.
10:25
